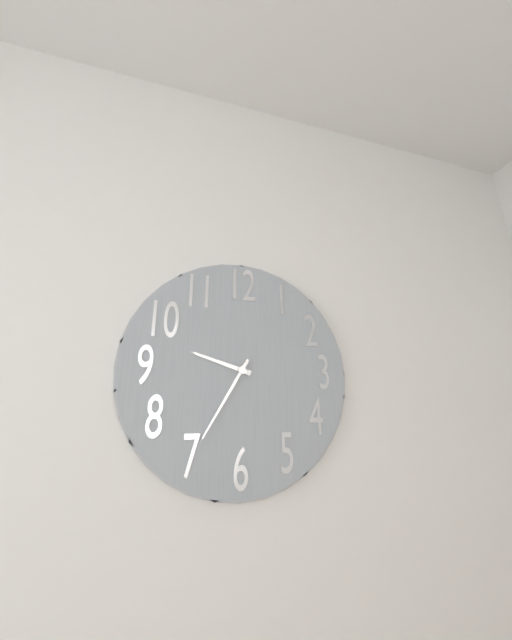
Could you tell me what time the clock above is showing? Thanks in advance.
9:35
